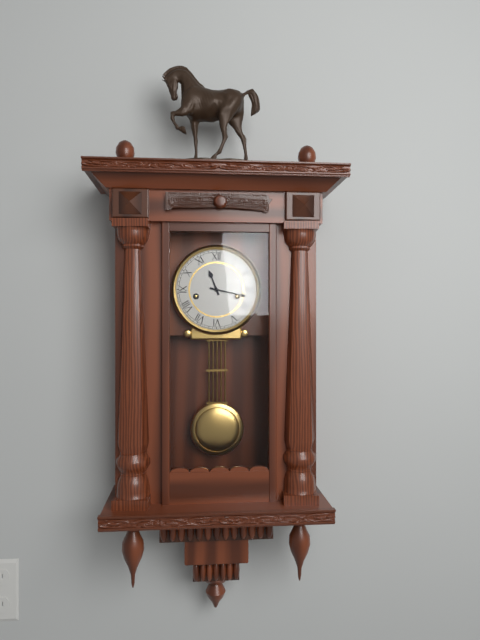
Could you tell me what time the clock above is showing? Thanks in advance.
11:17
